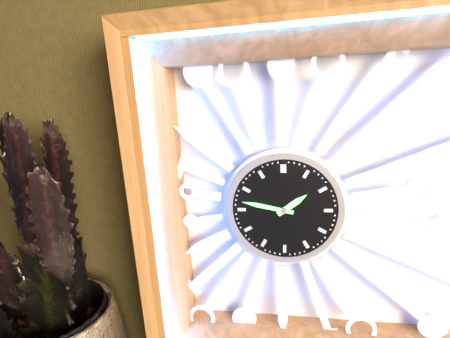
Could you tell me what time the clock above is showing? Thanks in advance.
1:47
